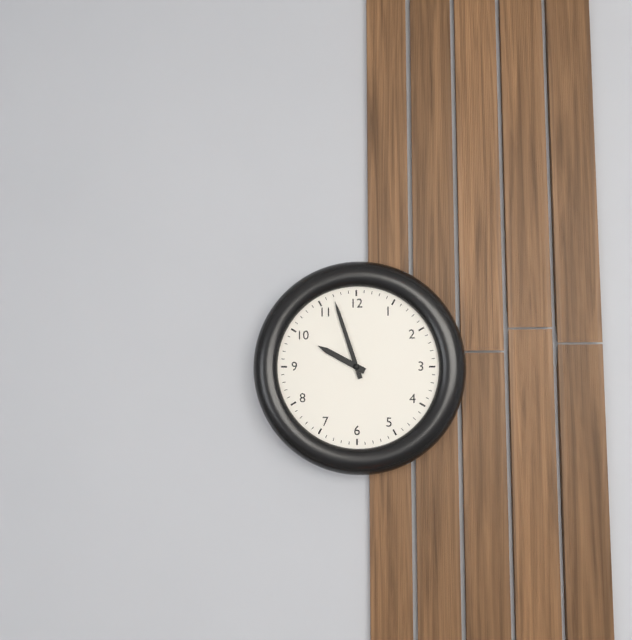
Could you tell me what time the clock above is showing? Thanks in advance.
9:57
